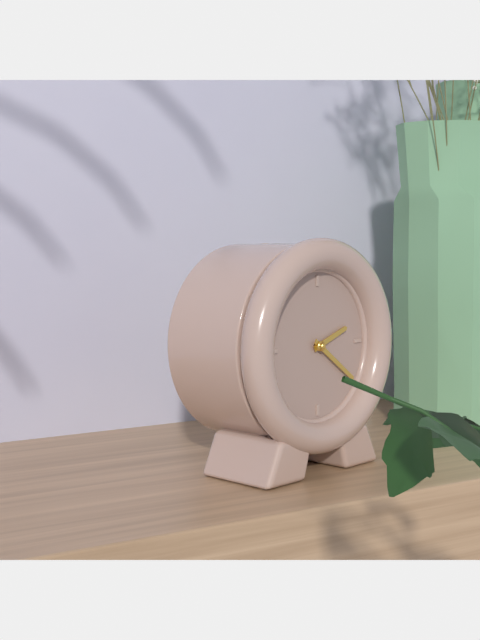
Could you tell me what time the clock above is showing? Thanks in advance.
2:21
